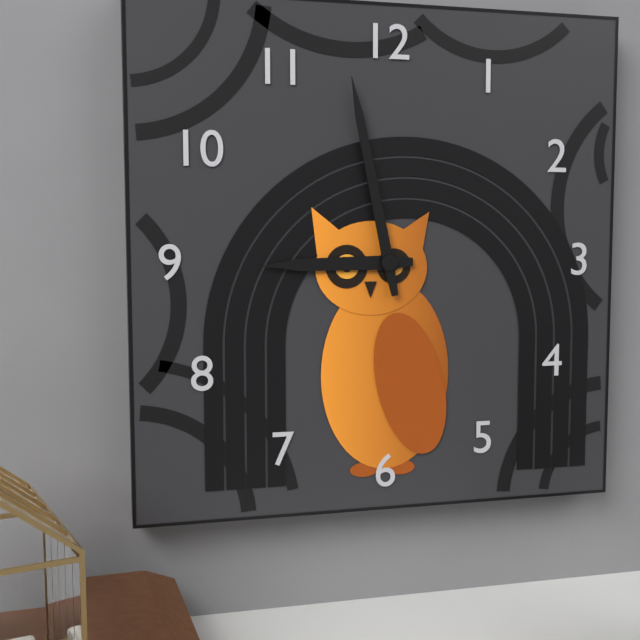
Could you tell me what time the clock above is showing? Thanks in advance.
8:58
